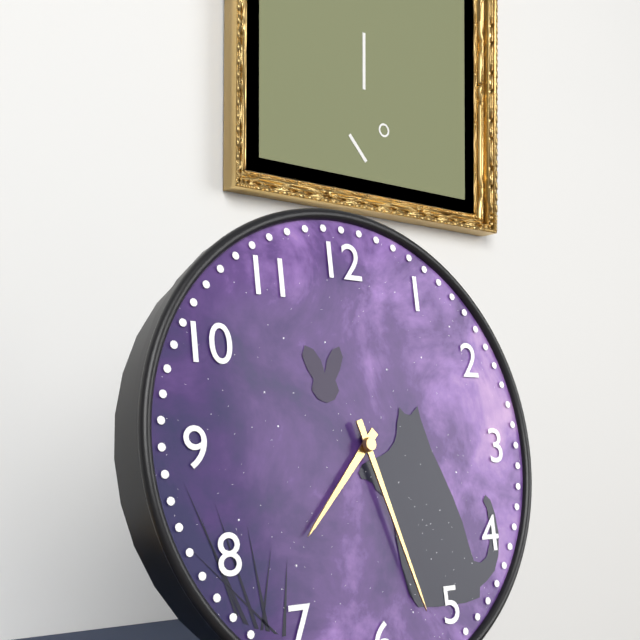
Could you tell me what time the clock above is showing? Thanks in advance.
7:27
